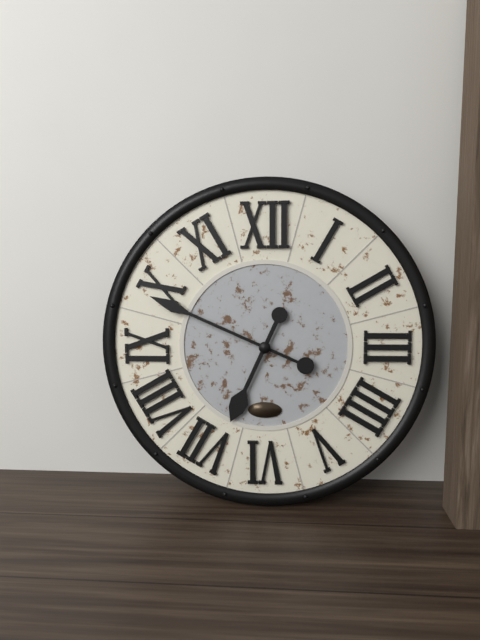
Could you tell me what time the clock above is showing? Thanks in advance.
6:49
